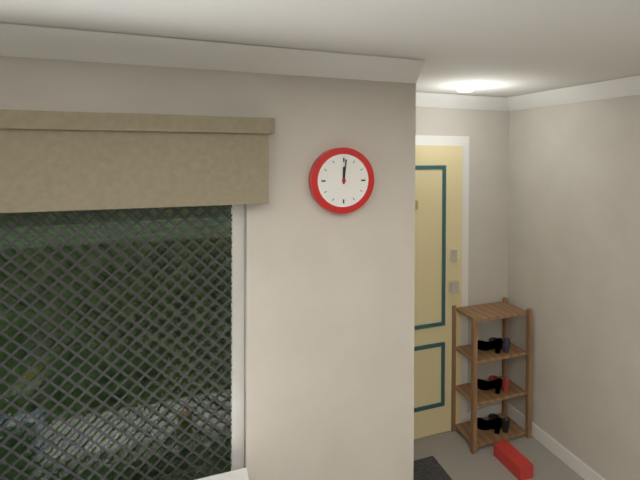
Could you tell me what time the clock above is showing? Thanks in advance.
12:01
